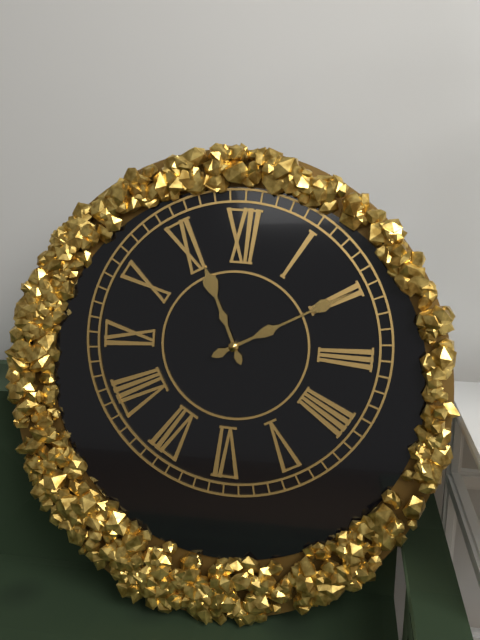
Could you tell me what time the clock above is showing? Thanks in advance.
11:10
